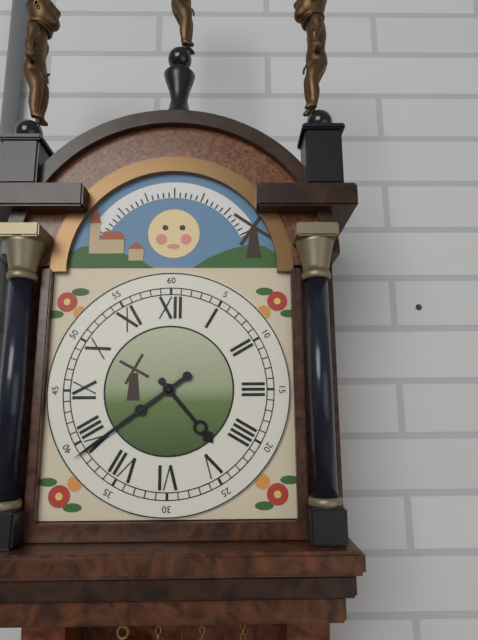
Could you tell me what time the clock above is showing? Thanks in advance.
4:39
